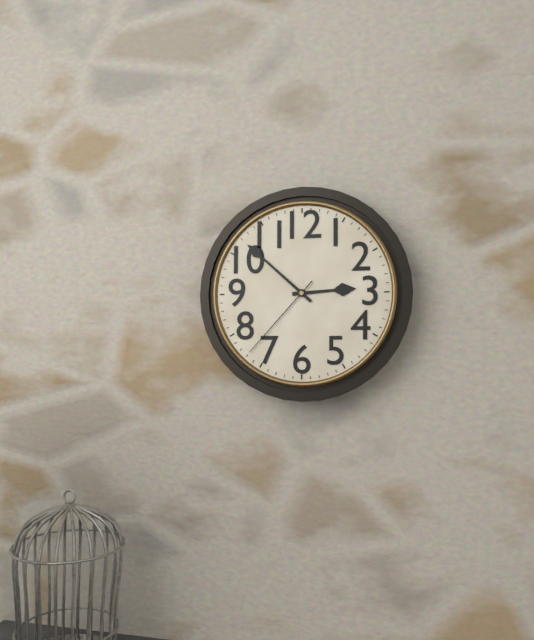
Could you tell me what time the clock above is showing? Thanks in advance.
2:52:37
